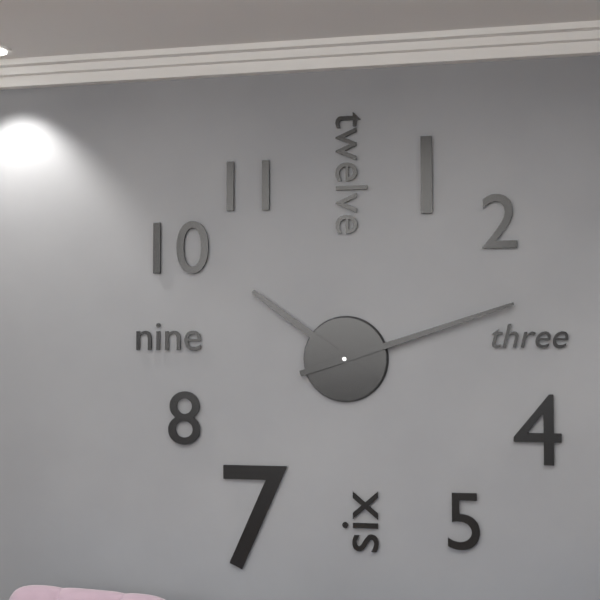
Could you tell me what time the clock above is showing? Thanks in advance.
10:12
